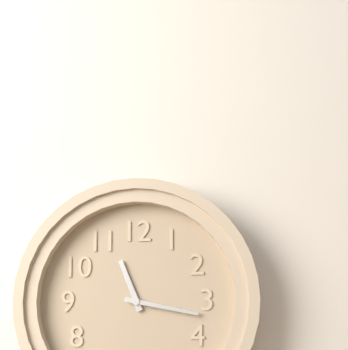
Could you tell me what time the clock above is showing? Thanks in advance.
11:17
